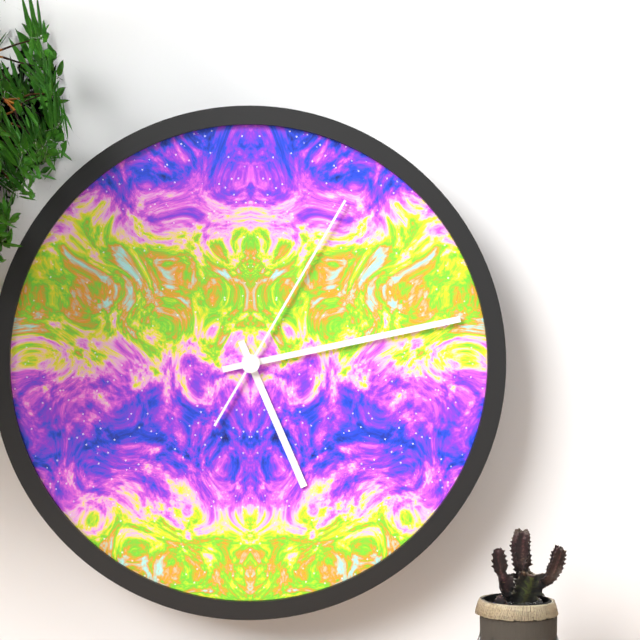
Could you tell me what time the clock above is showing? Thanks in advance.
5:13:05
